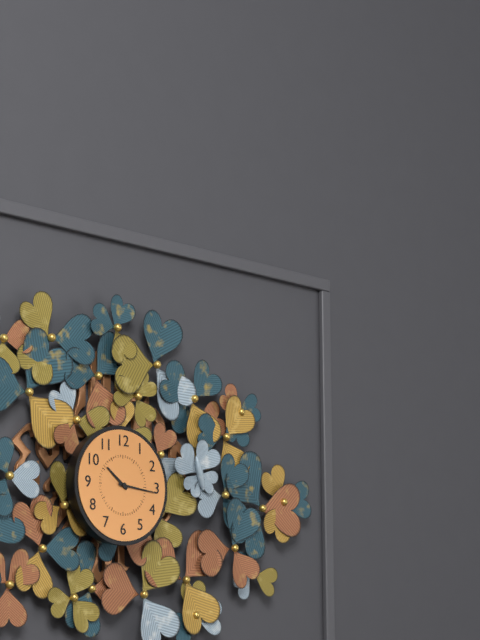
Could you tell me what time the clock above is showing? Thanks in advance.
10:16
